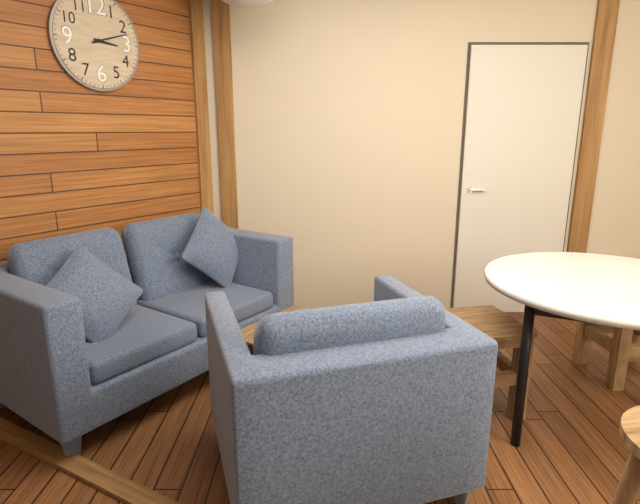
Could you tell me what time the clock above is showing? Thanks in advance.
3:12
